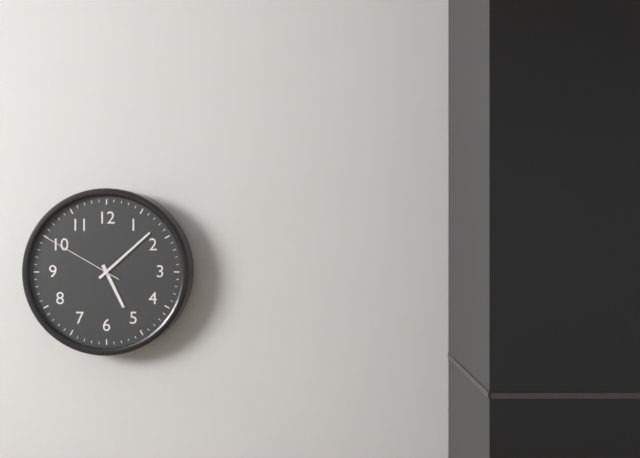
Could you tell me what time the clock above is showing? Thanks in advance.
5:08:50
